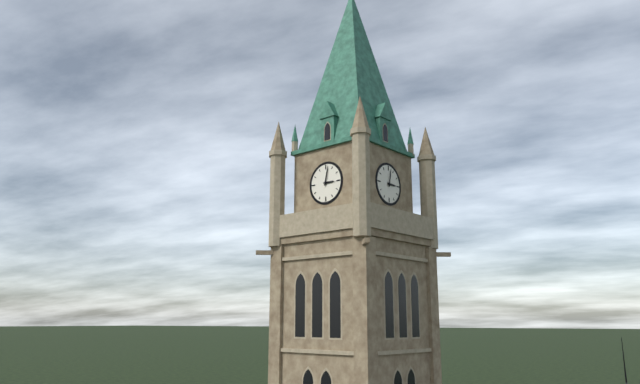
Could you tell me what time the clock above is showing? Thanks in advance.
3:02
